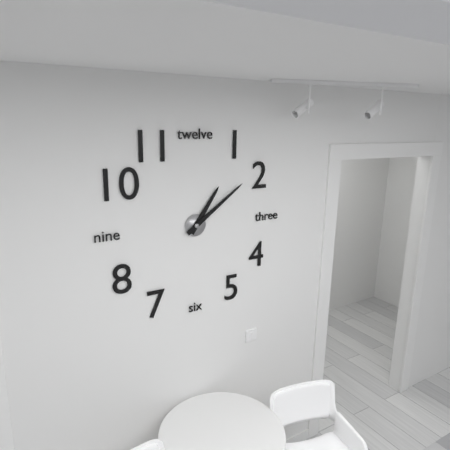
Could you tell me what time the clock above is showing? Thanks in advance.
1:09
